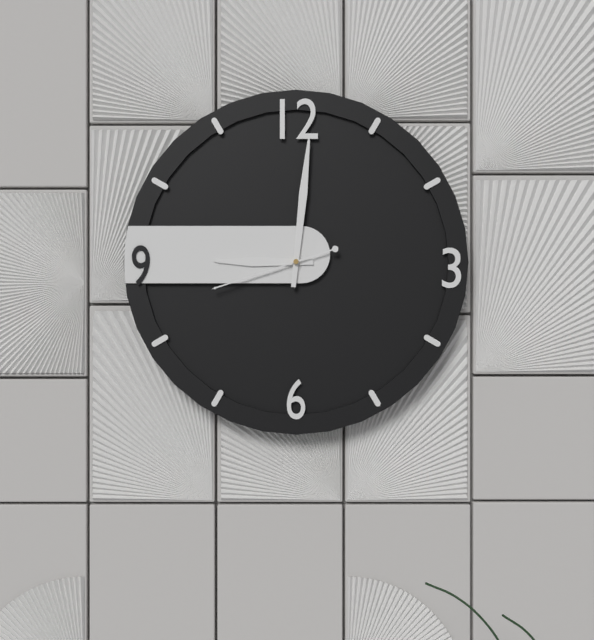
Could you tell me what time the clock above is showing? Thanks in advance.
9:01:42
